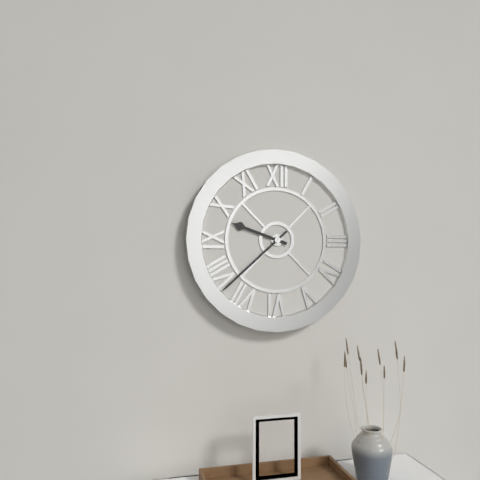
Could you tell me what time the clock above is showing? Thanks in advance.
9:38
